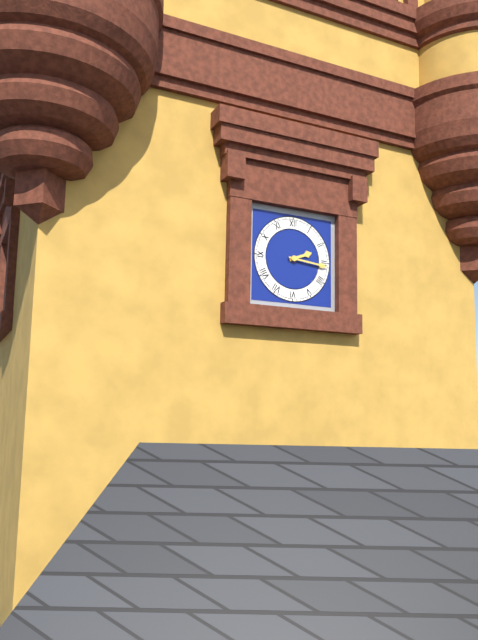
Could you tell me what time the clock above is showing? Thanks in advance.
2:16
